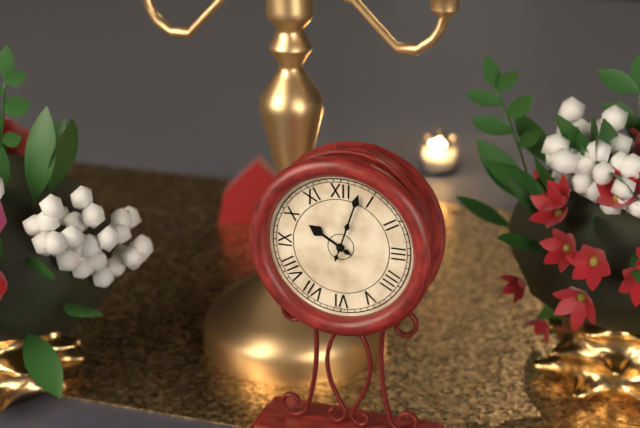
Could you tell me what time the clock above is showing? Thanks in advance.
10:03
